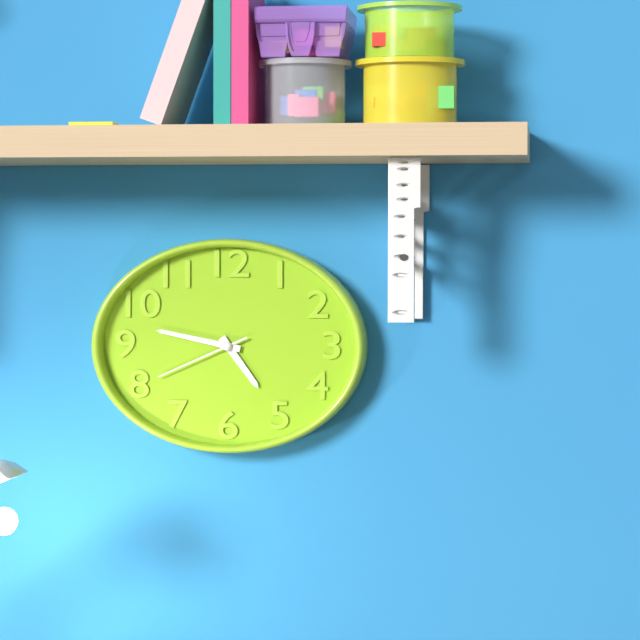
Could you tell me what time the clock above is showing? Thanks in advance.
4:47:41
